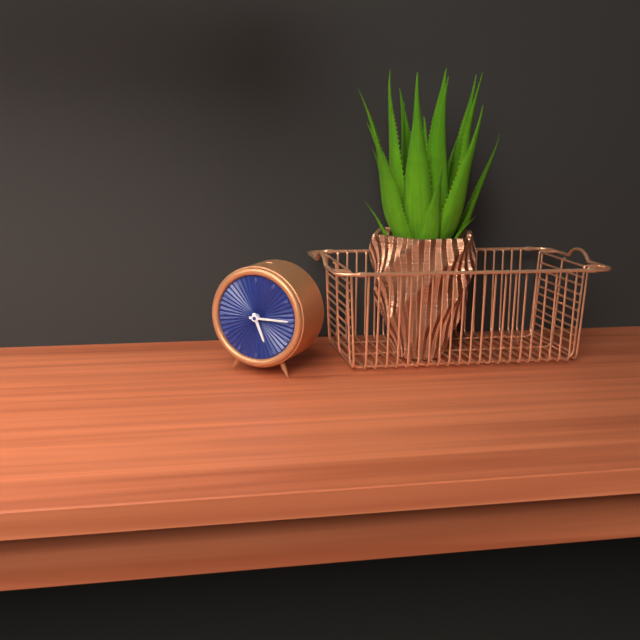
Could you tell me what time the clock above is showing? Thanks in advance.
5:15
